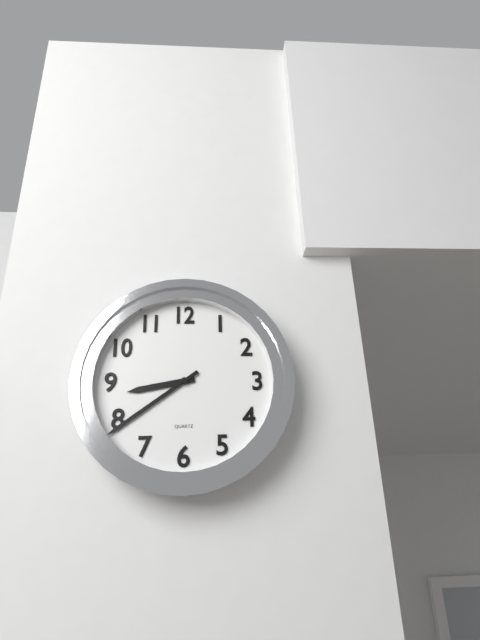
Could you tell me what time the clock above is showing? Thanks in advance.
8:39
